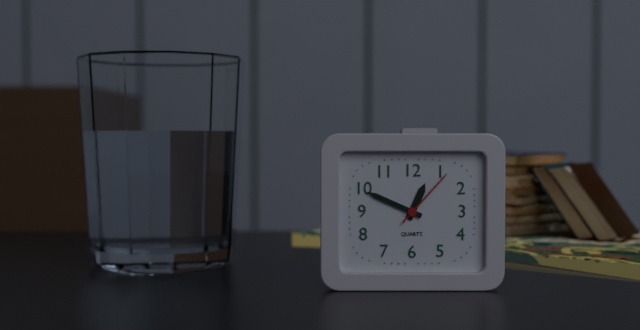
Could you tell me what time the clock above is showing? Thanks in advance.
12:49:07
